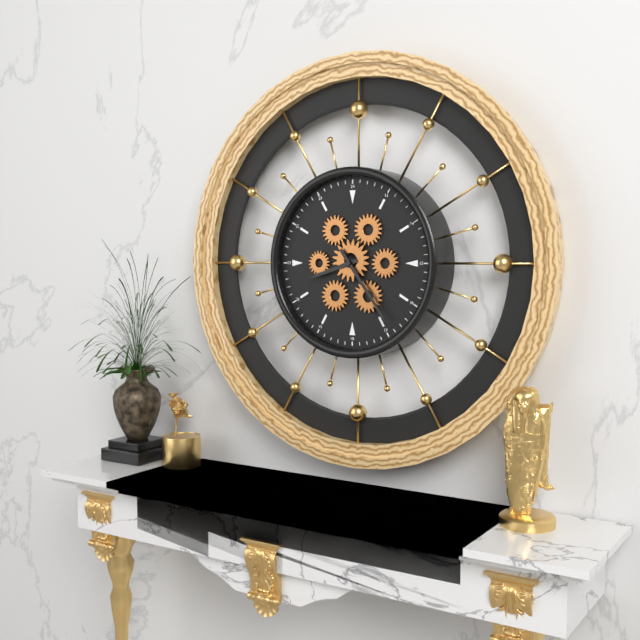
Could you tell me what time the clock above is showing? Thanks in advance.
8:24
